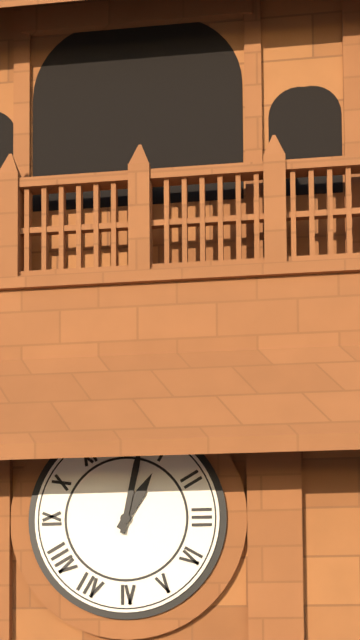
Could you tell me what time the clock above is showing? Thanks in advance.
1:02
